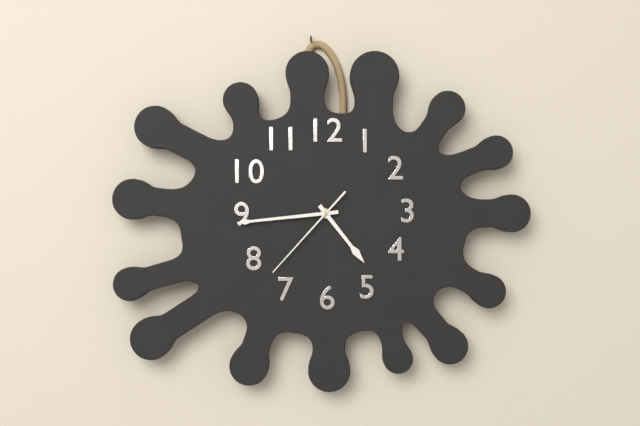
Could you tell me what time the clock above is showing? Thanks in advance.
4:44:37
